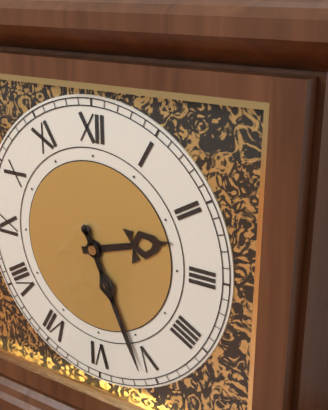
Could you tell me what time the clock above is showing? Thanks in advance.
2:26
